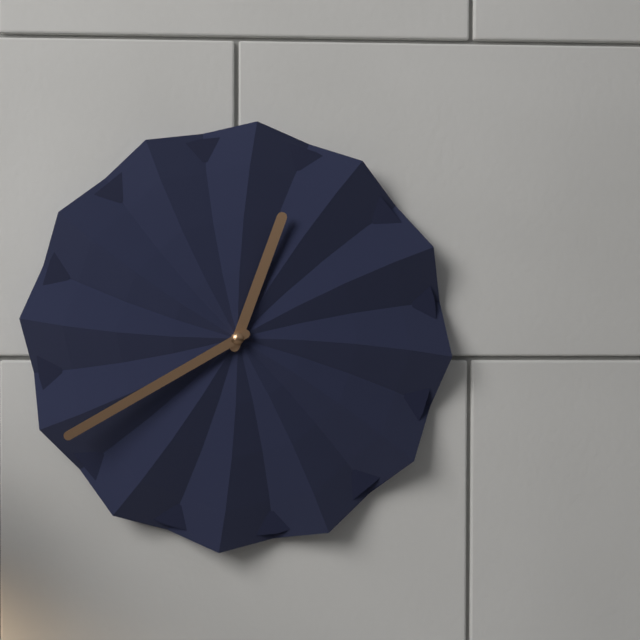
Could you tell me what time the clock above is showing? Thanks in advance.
12:40
